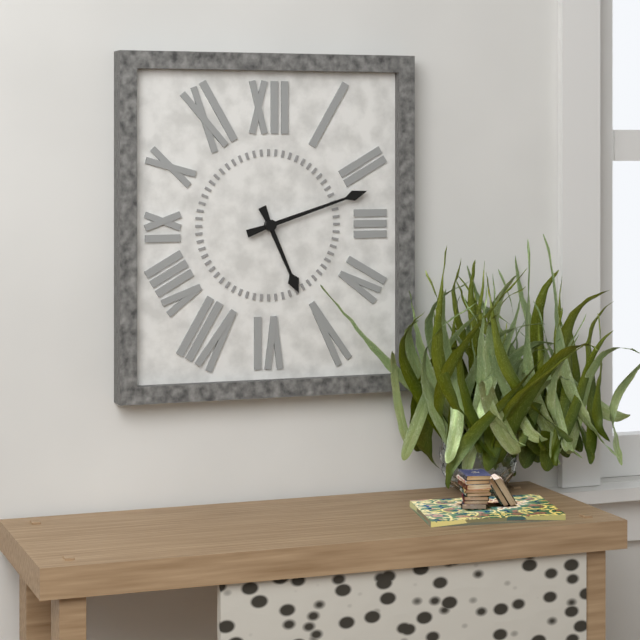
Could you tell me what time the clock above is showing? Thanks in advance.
5:12
